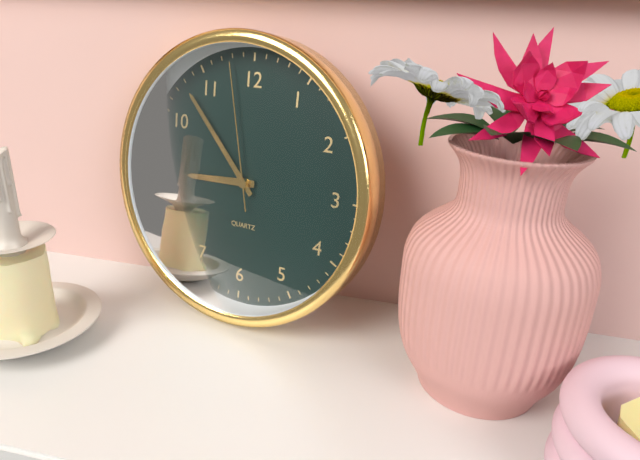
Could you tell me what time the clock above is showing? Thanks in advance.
8:53:58
